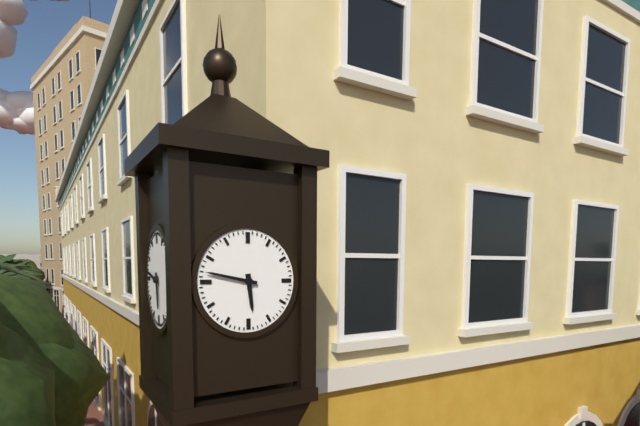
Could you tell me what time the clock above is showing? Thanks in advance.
5:47
